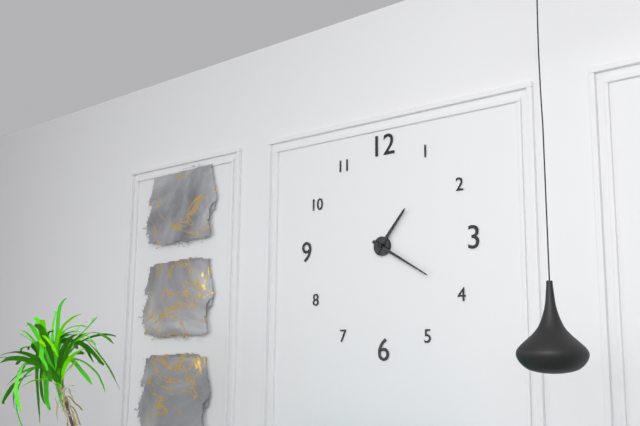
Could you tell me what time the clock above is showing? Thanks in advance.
1:20
